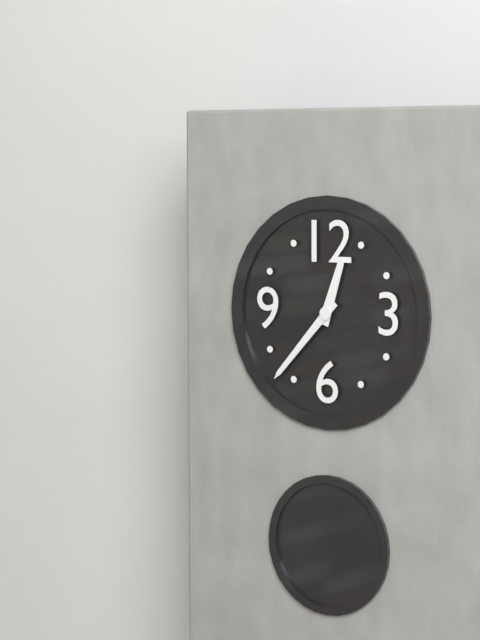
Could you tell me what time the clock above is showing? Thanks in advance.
12:37
